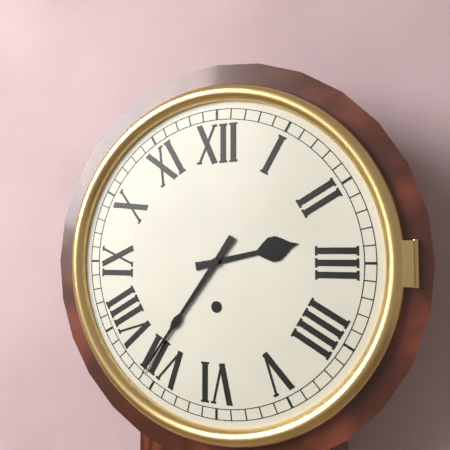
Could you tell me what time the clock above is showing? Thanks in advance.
2:36
